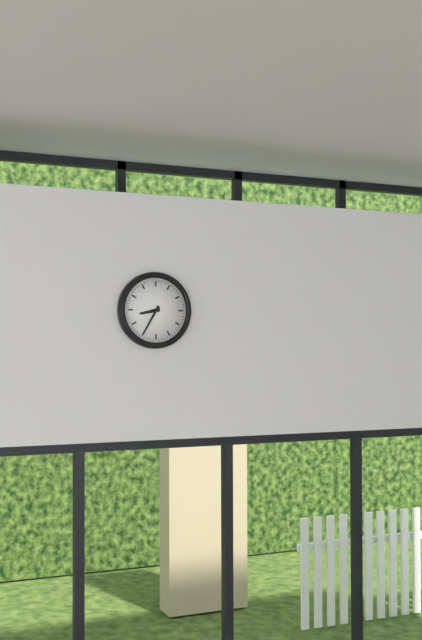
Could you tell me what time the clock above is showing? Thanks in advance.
8:35
